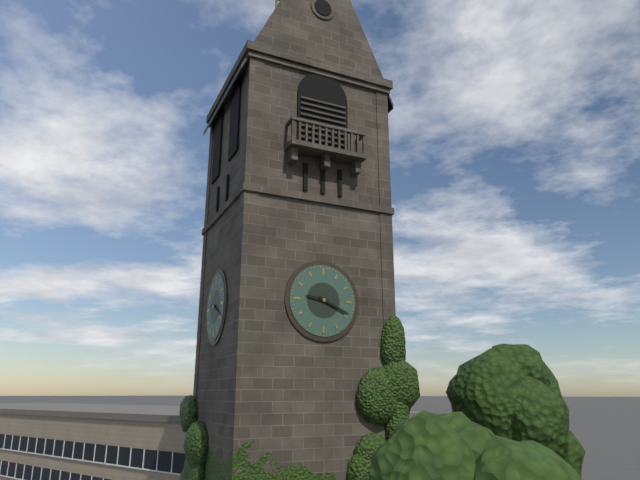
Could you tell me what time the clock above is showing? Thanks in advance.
9:19
